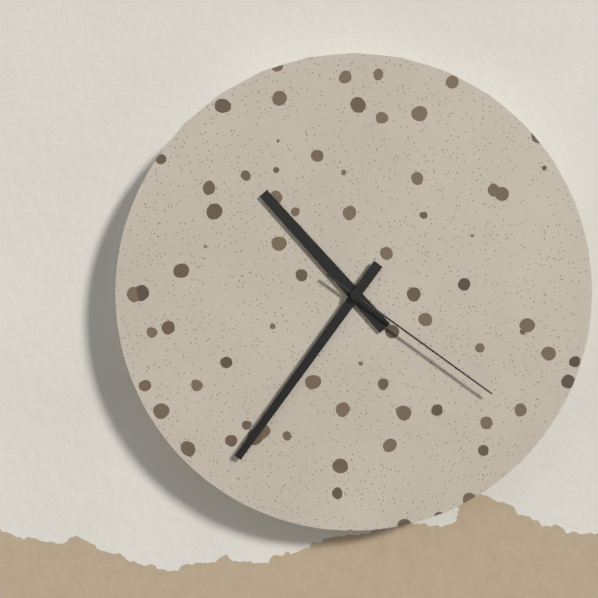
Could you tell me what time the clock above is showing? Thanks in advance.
10:36:21
